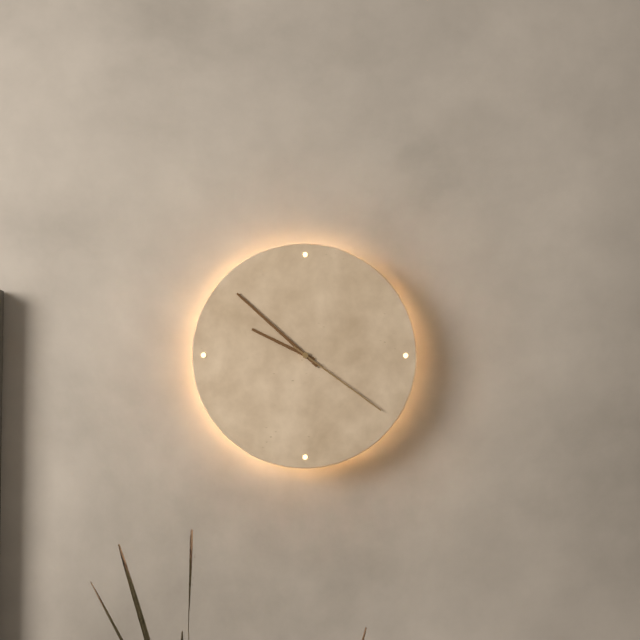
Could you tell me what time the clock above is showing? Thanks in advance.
9:52:21
